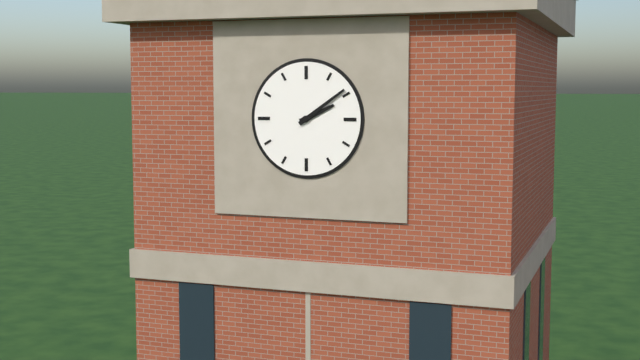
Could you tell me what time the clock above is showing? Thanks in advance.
2:09
